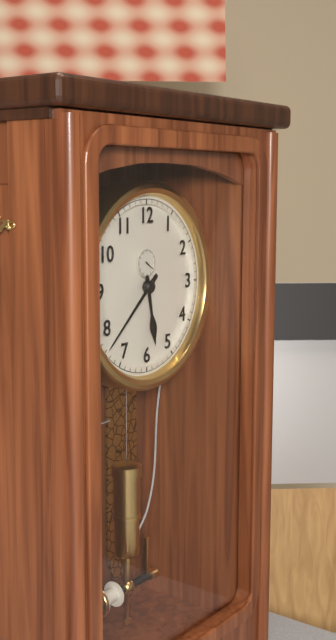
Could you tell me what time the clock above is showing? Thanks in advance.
5:38
